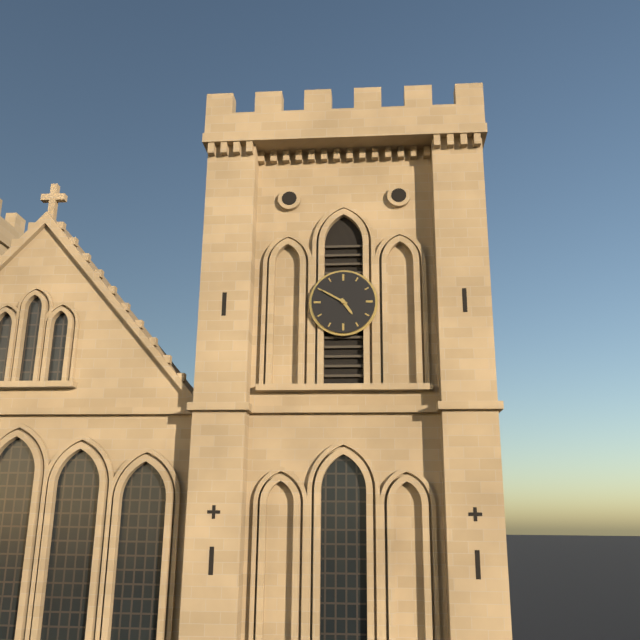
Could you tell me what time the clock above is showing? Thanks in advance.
4:50
